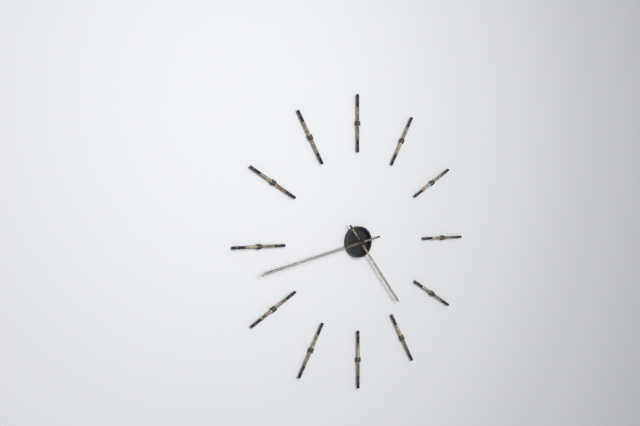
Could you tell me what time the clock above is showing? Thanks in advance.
4:43
